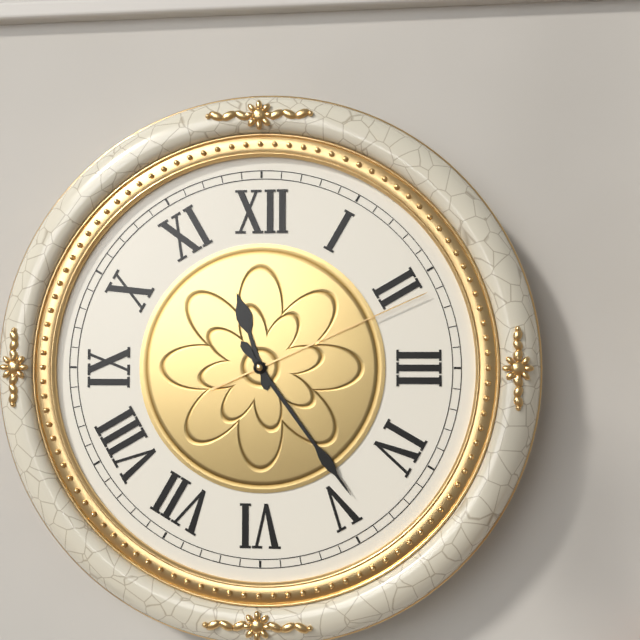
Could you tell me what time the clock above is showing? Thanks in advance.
11:24:11
